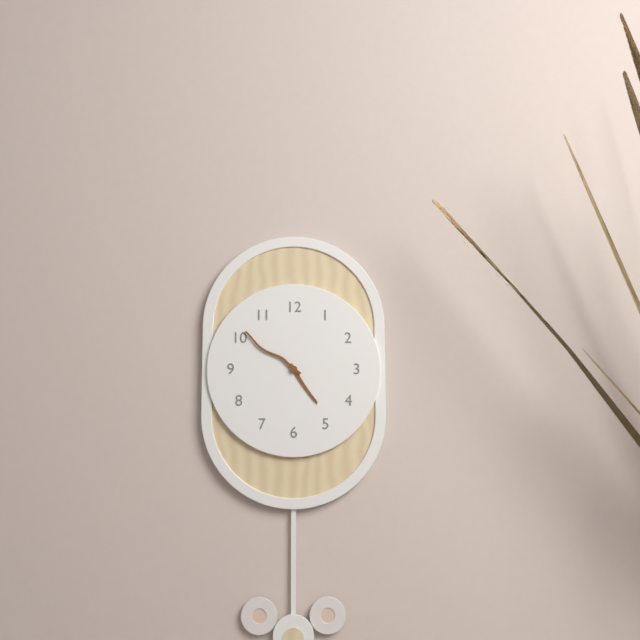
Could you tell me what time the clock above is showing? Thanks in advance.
4:51
